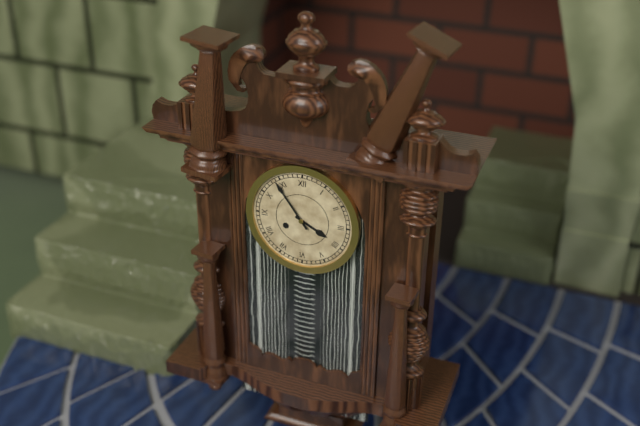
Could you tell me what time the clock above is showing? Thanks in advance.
3:54
